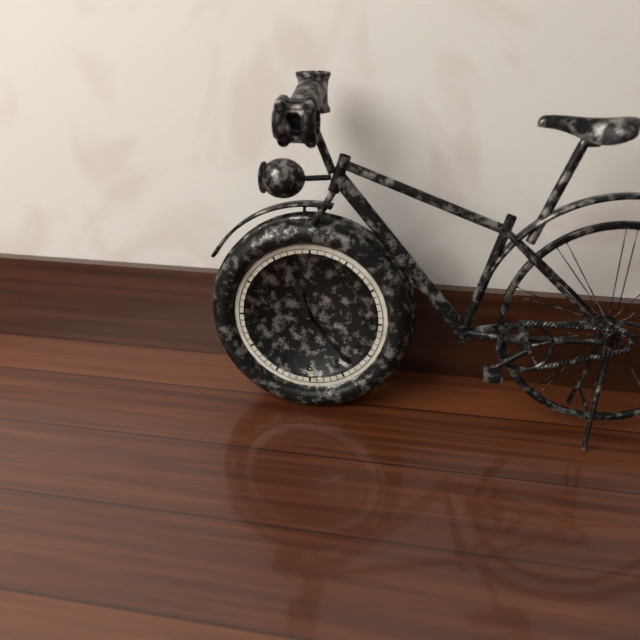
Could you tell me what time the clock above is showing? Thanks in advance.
11:23
